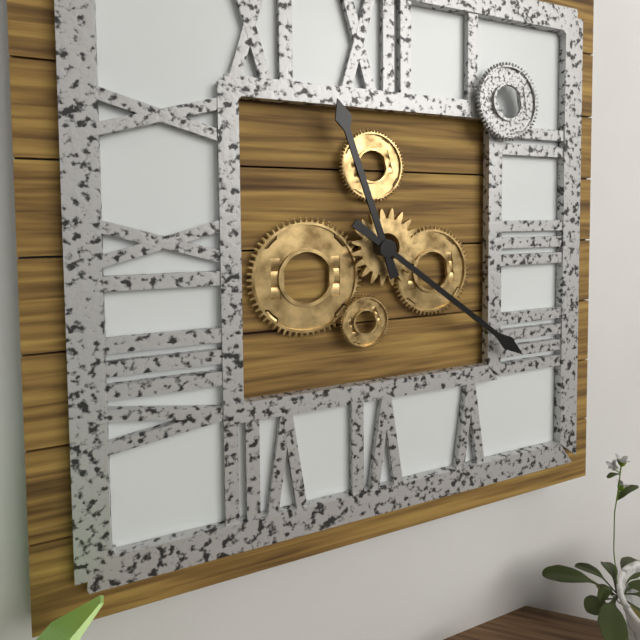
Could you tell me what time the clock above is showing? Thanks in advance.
11:21
